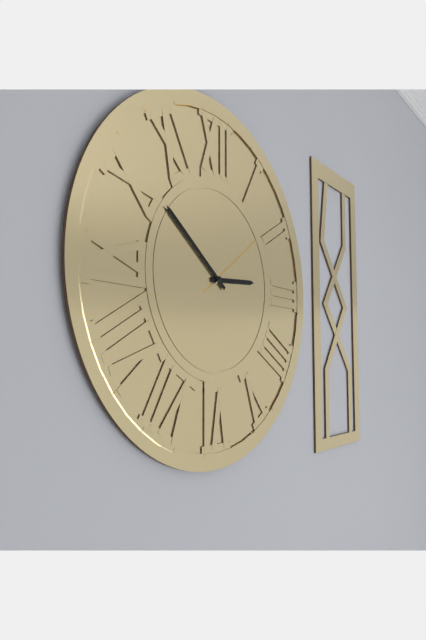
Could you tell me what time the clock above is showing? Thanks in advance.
2:51:09
